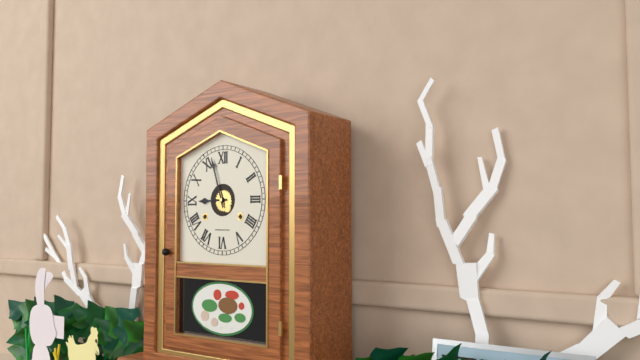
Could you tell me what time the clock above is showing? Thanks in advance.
8:57
